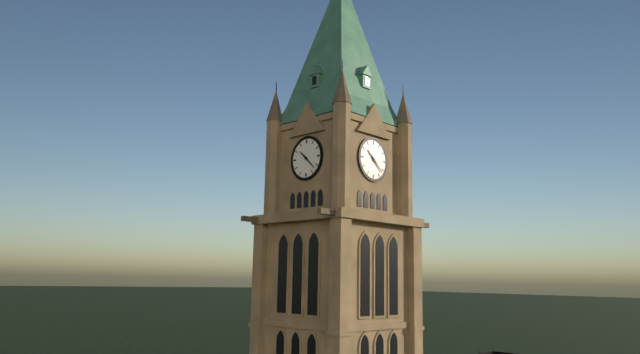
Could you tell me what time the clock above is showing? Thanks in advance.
10:22
